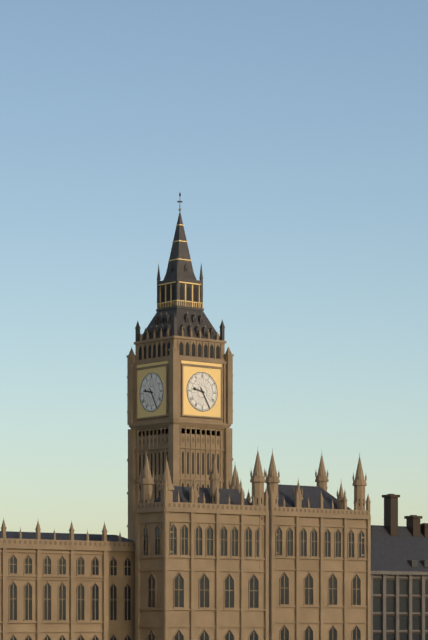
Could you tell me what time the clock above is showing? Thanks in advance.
9:25
